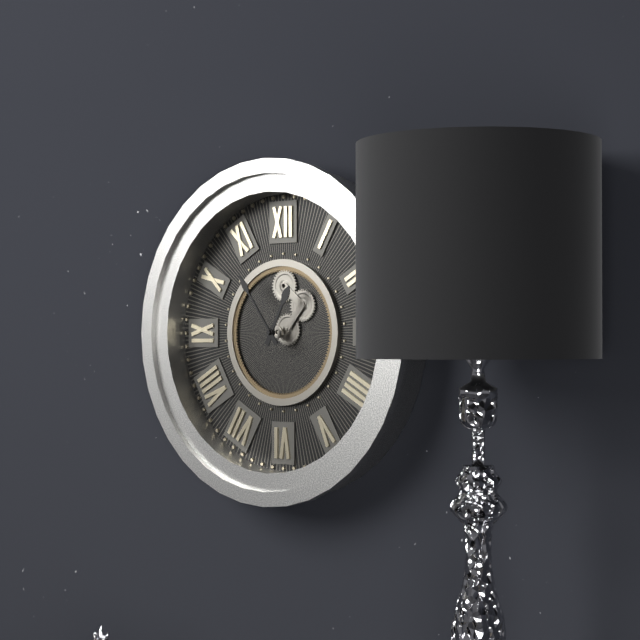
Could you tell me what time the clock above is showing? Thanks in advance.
12:54
